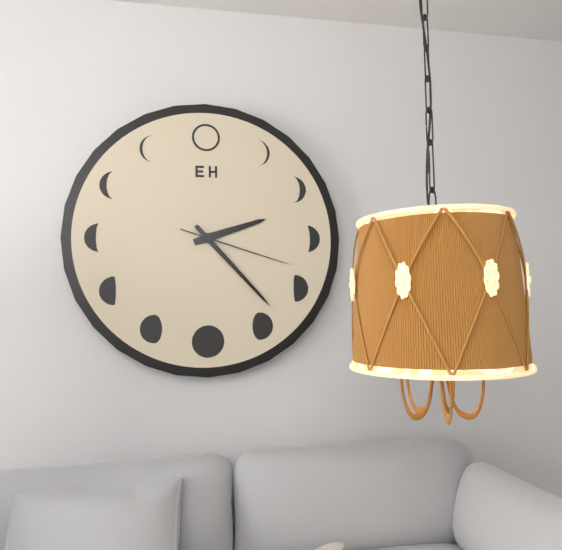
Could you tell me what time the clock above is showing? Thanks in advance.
2:23:18
